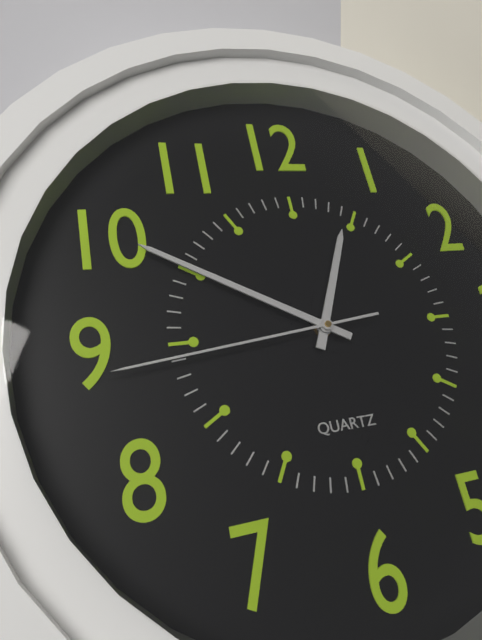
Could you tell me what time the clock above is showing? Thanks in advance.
12:50:44
